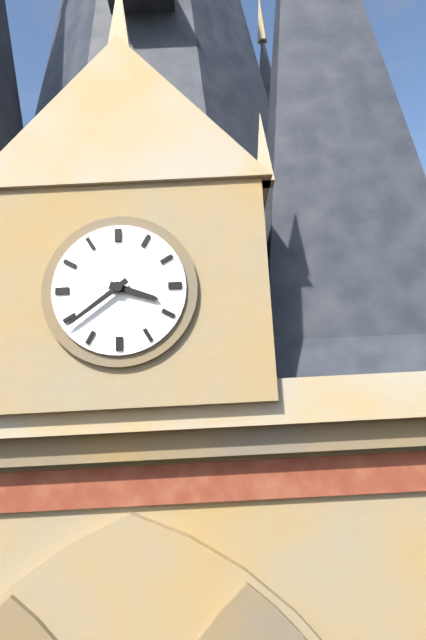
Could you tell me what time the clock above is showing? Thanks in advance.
3:39
